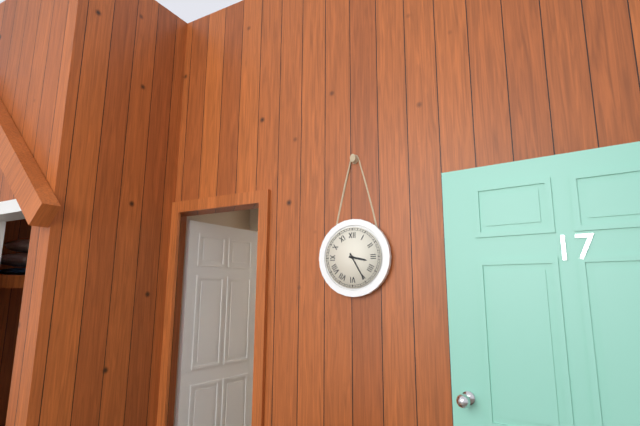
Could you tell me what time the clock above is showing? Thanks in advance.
3:25
